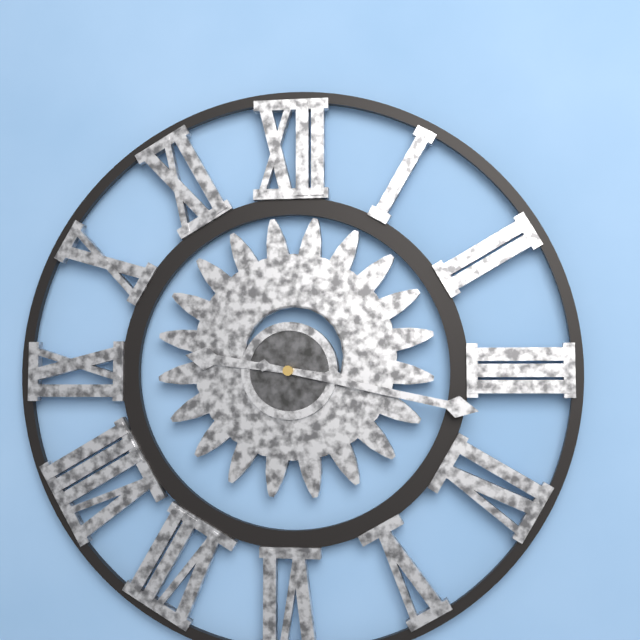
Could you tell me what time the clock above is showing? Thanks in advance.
9:17
